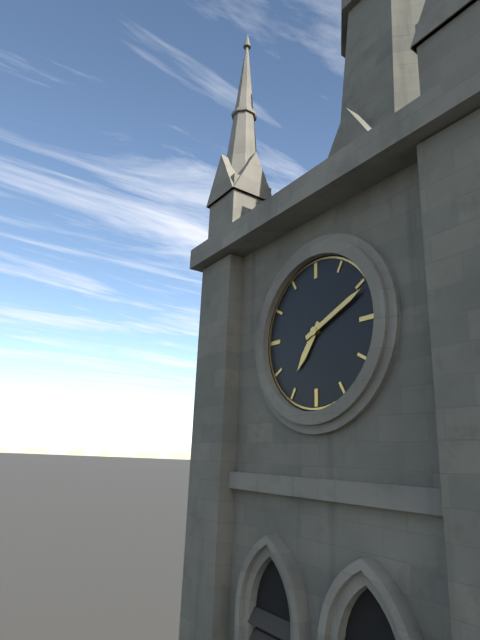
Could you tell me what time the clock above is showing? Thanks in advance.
7:11
